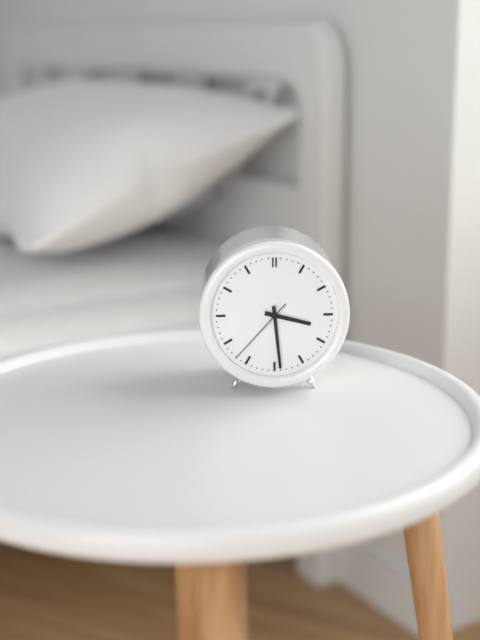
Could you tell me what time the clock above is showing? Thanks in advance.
3:29:37
